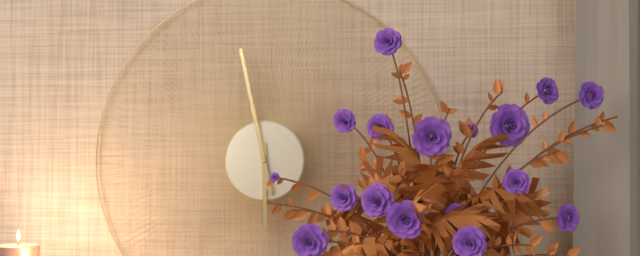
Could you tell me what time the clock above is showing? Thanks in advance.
5:58
